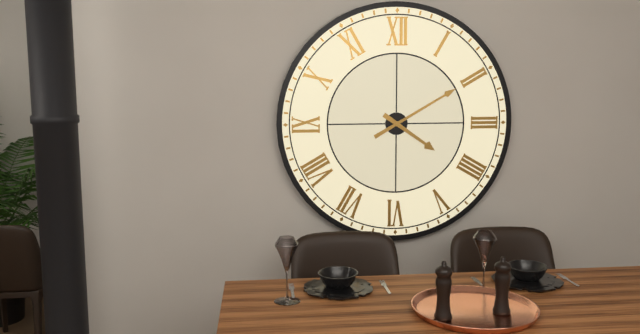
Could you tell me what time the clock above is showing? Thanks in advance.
4:10
